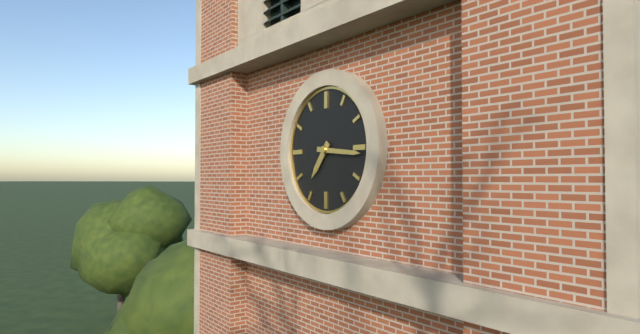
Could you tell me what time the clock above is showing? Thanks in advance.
7:16
